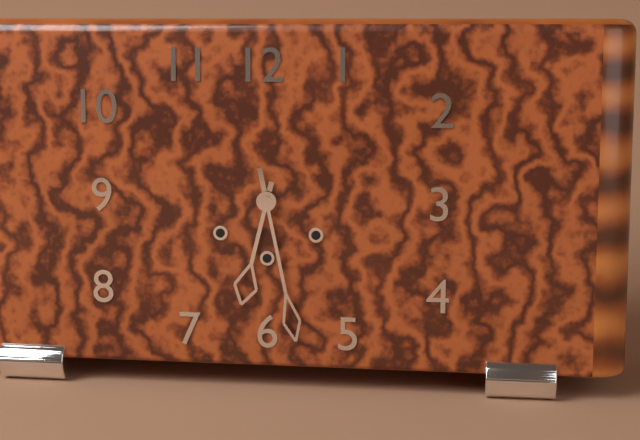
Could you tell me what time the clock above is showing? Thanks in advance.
6:28
